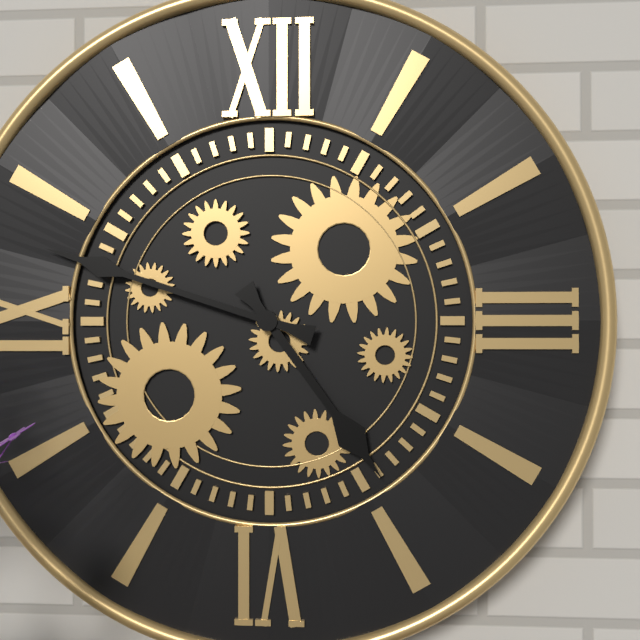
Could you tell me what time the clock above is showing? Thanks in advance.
4:48
